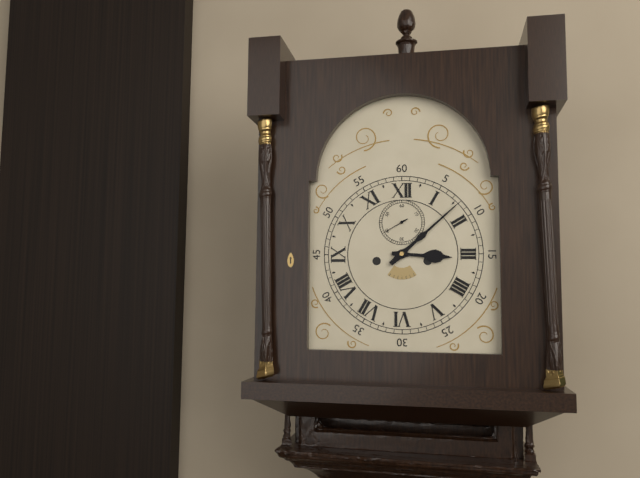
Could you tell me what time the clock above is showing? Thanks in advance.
3:08
